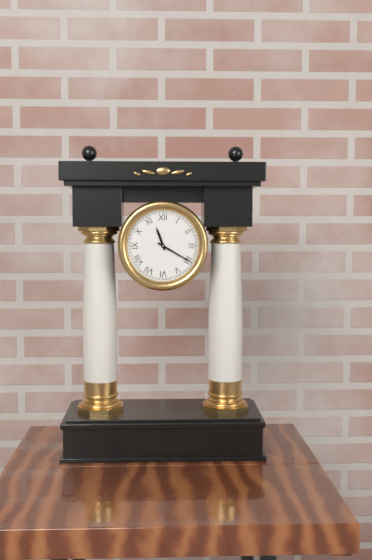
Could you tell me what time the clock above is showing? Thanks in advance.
11:20
